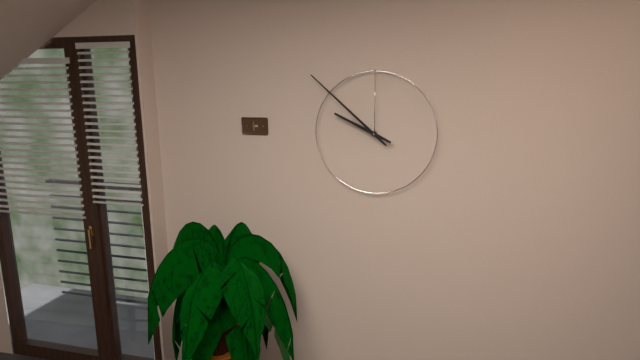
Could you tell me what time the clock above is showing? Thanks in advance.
9:52
